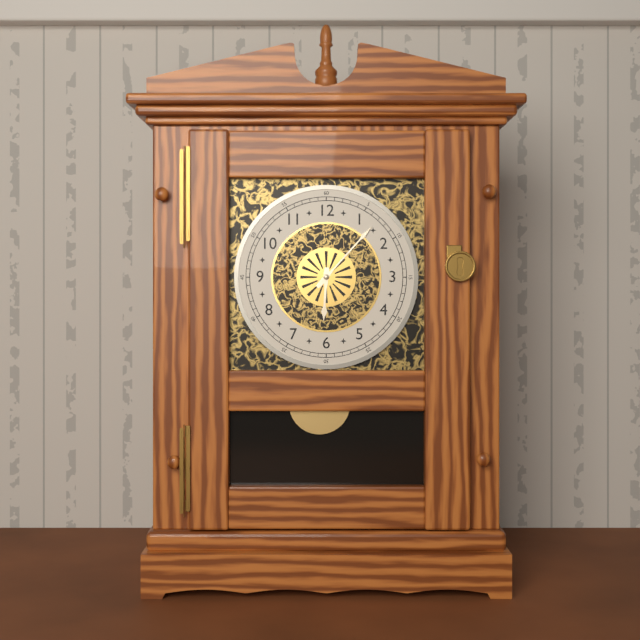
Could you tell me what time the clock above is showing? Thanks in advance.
6:07
